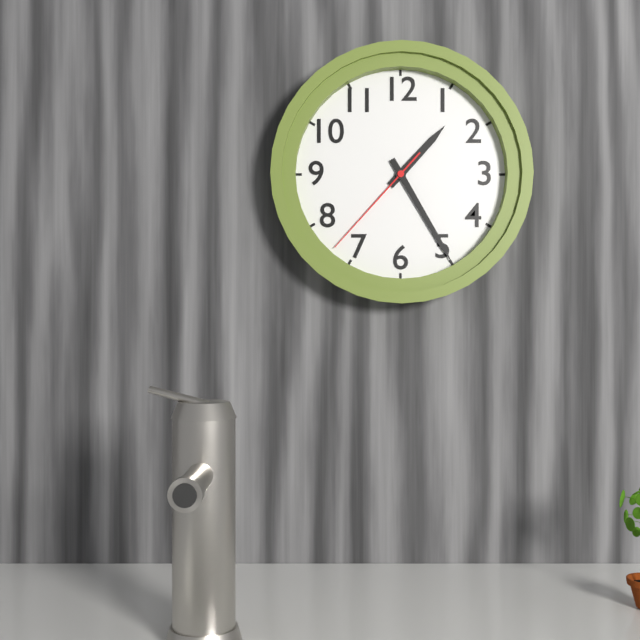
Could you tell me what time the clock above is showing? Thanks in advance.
1:25:37
